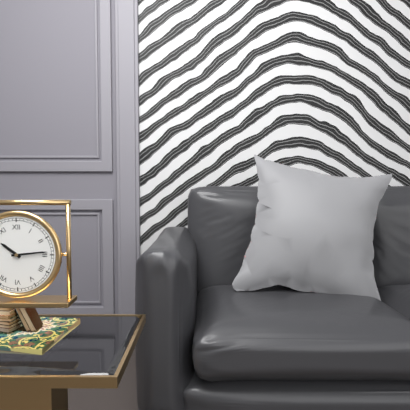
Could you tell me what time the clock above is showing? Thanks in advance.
10:14
